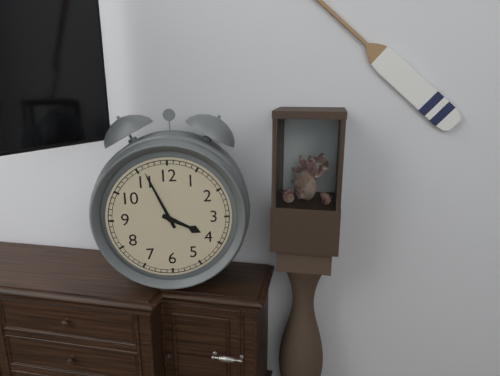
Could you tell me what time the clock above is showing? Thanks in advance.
3:56
